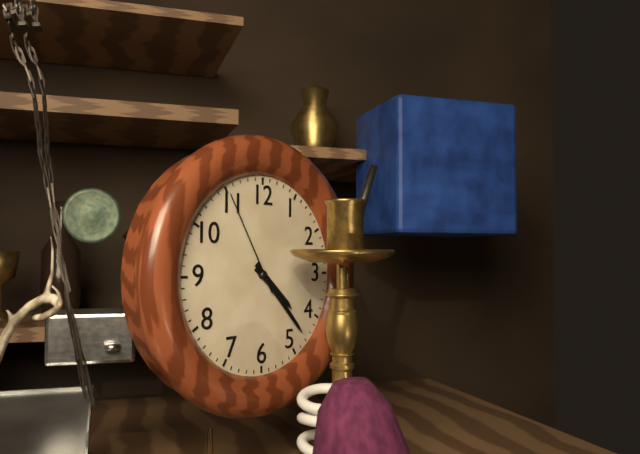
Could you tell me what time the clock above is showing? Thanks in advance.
4:23:55
